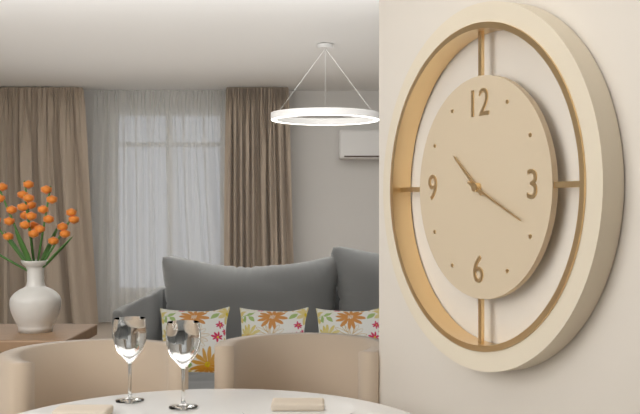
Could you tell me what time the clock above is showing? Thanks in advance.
10:19
